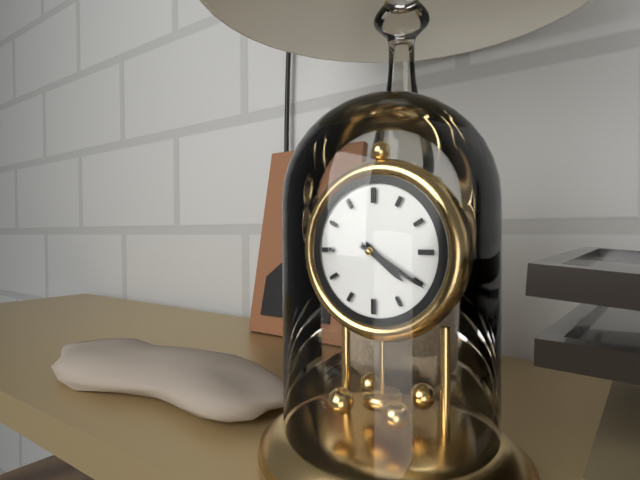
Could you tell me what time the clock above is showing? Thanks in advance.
4:20
